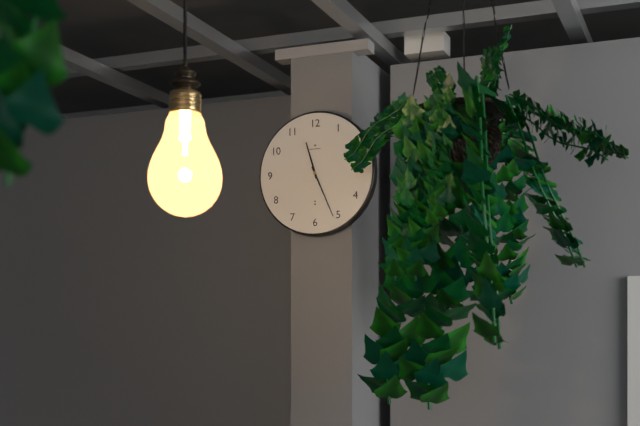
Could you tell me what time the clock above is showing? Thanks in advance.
11:26
